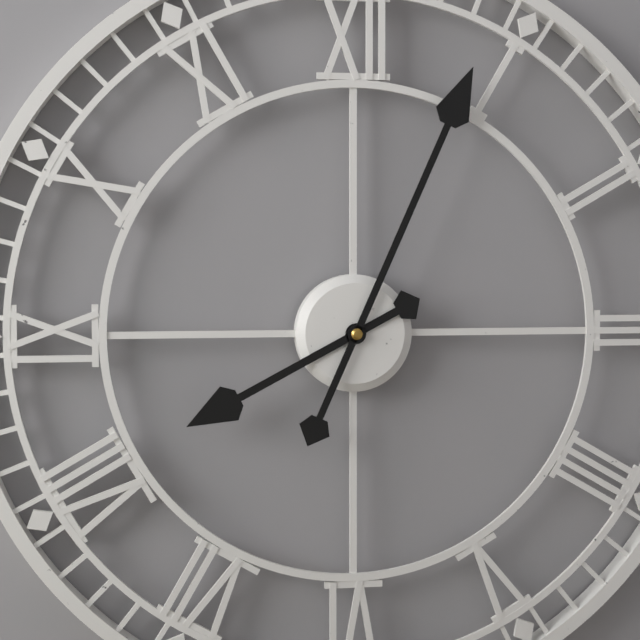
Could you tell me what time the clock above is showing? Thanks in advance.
8:04
